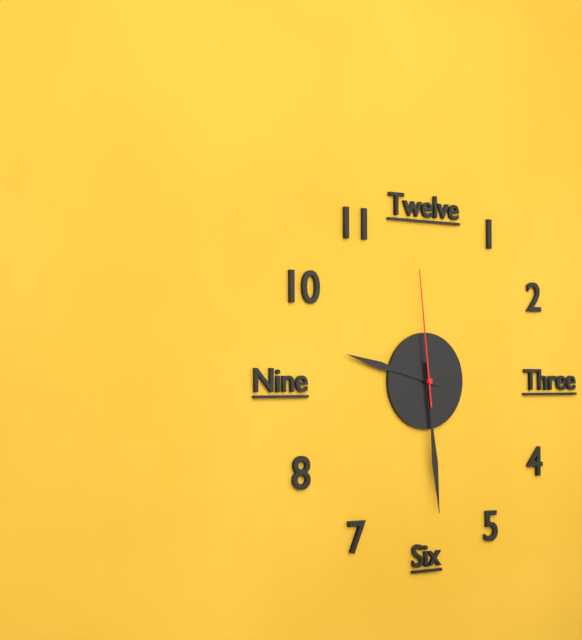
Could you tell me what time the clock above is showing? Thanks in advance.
9:29:59
